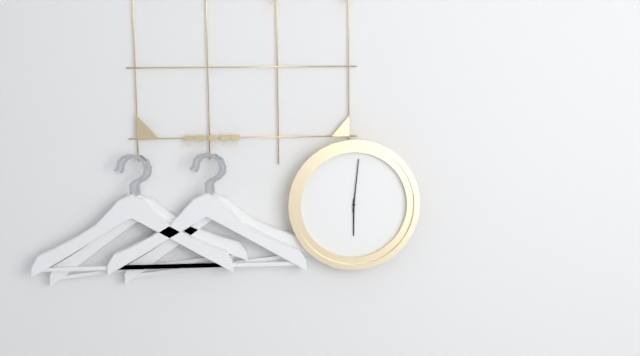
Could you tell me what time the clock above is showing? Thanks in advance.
6:01
